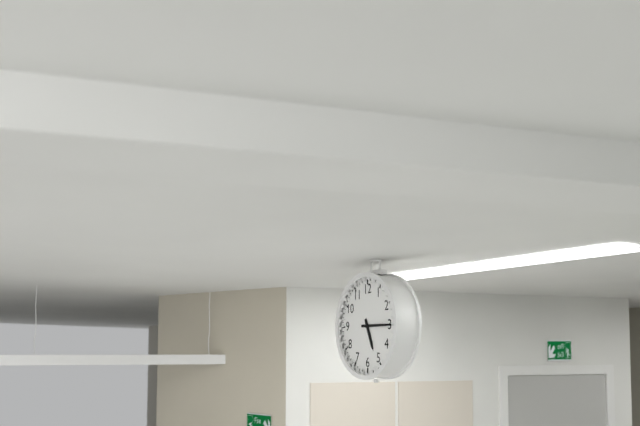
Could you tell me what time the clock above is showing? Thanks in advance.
5:15
